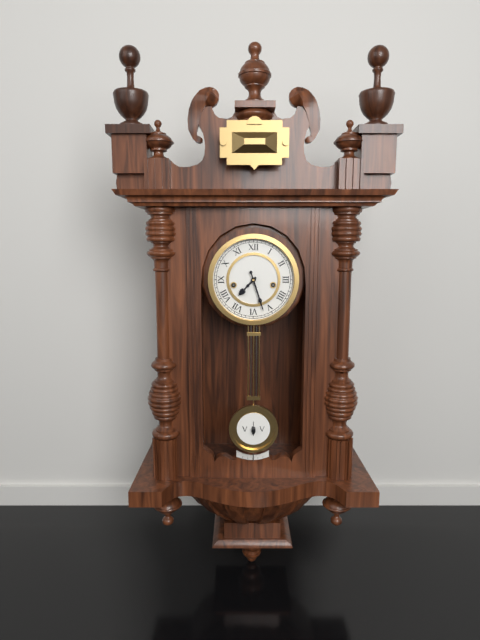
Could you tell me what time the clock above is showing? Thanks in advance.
7:27
